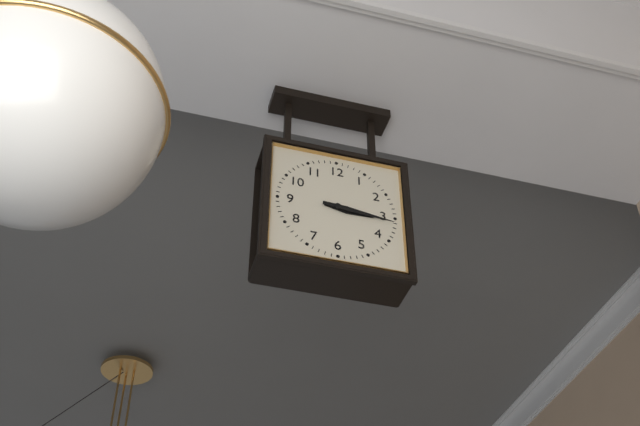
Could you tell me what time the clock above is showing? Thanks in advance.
3:16
